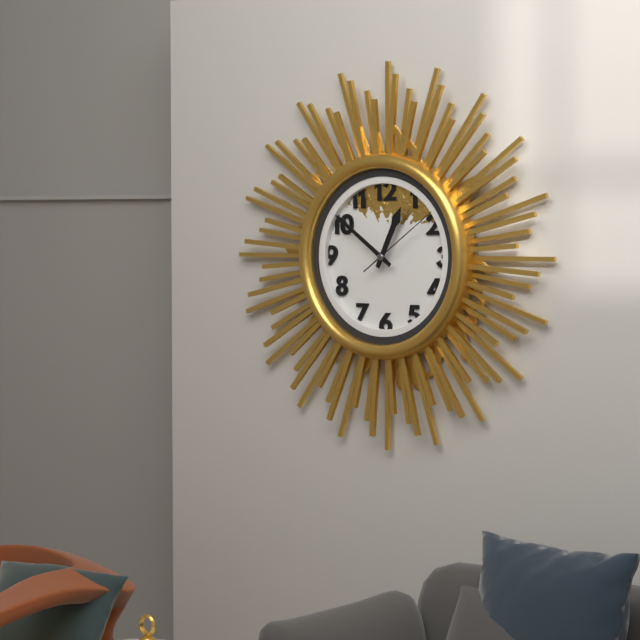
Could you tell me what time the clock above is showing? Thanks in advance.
12:51:09
